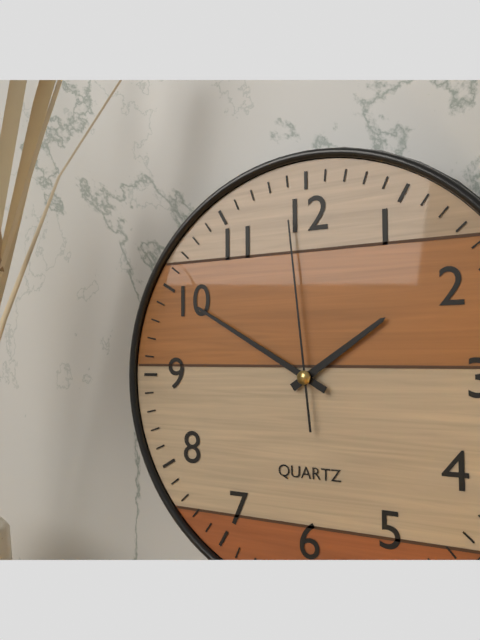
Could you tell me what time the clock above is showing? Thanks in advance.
1:50:59
